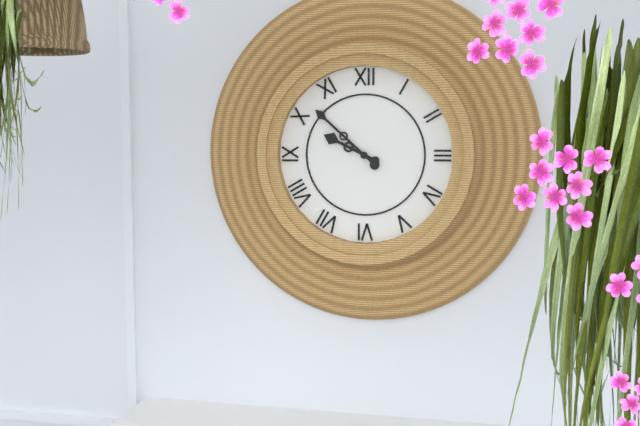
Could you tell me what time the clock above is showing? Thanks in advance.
9:52
